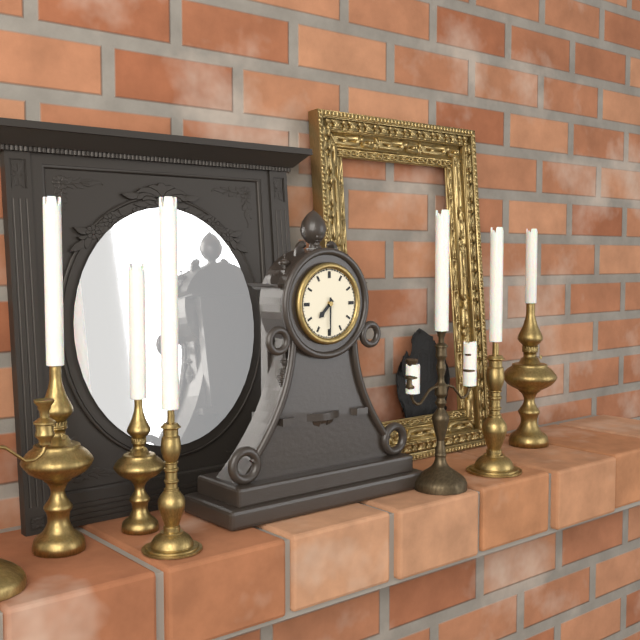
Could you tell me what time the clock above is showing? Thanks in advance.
7:30
